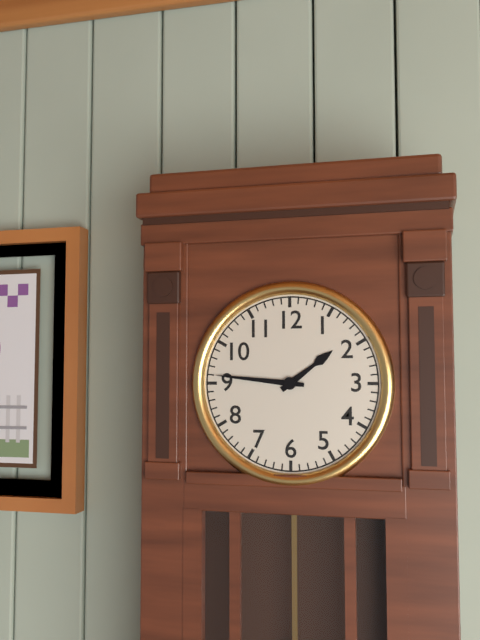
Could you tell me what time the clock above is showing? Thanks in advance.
1:46
